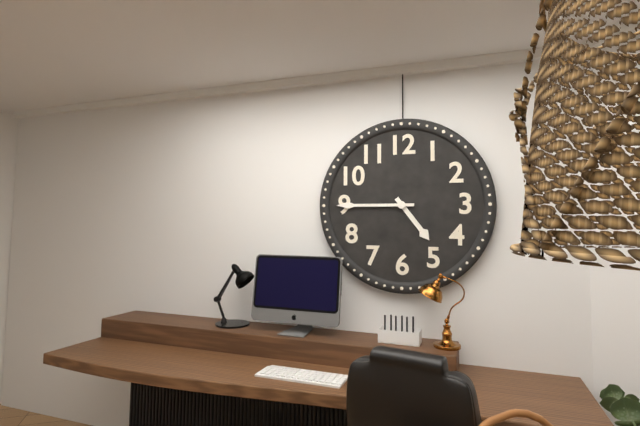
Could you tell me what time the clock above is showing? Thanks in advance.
4:45
